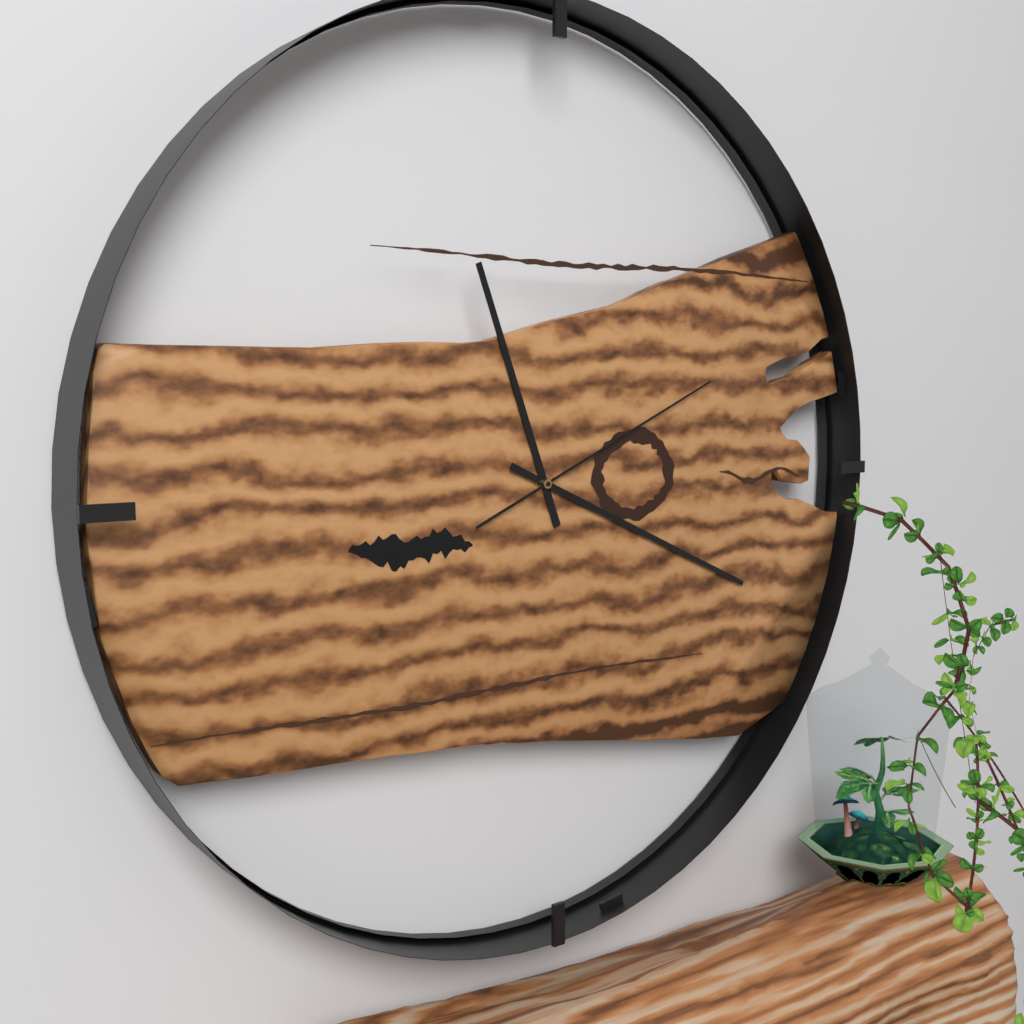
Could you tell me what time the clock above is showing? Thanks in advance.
11:19:11
